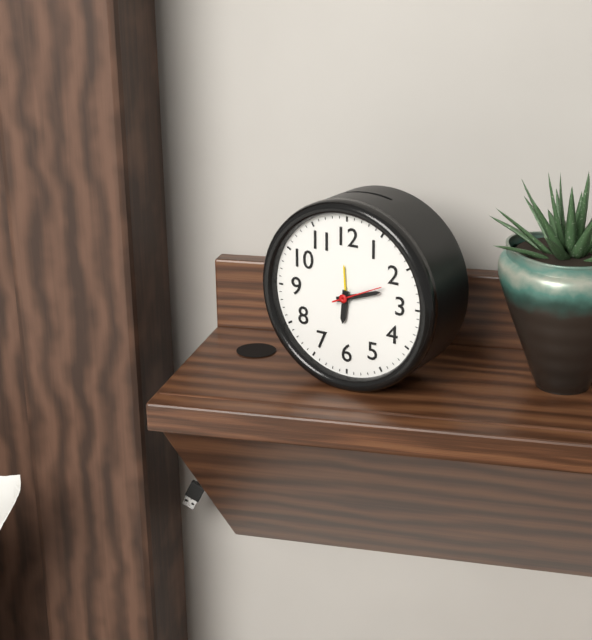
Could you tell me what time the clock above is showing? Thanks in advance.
6:12
